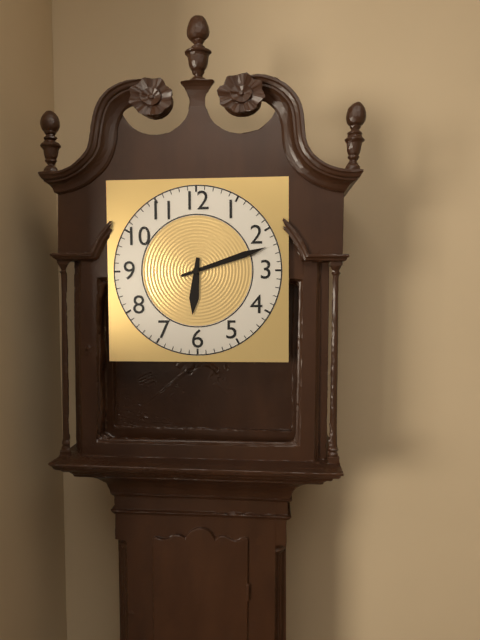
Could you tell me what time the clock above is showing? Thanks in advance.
6:12
